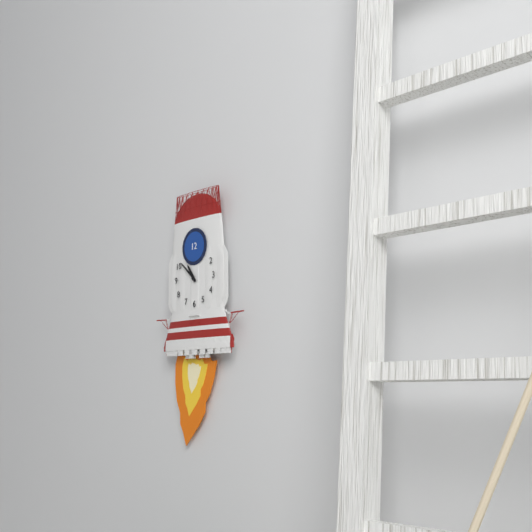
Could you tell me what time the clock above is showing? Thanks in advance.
10:52
